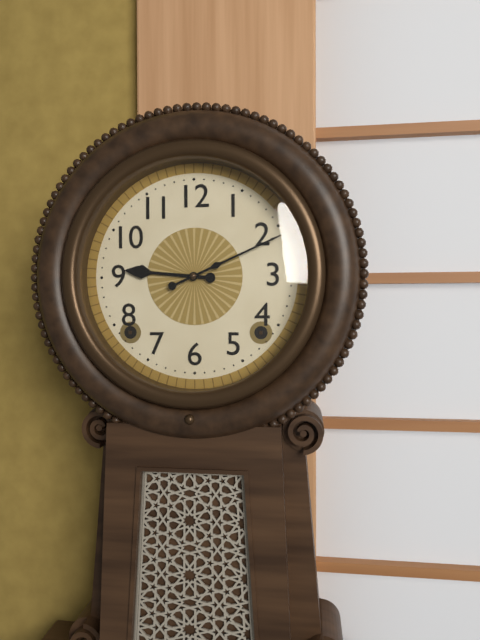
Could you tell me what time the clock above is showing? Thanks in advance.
9:11
